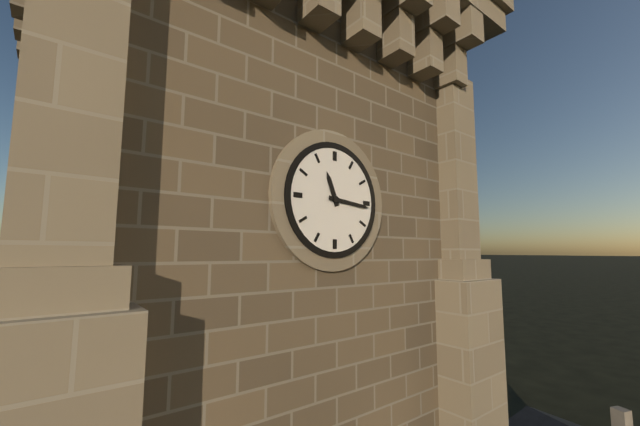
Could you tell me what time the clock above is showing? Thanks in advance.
11:16
